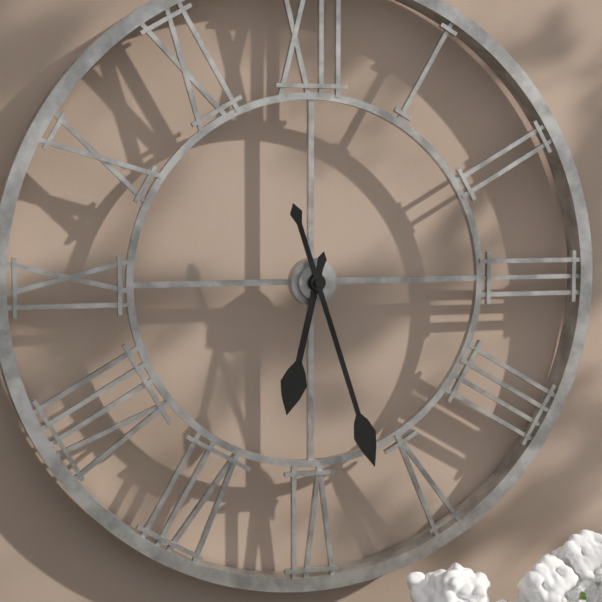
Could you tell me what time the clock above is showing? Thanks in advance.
6:27
